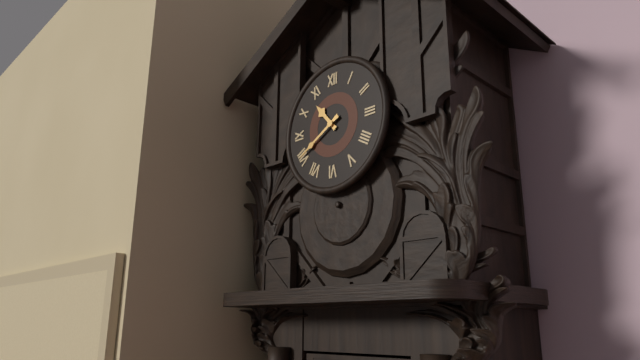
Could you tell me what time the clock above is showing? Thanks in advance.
10:40
